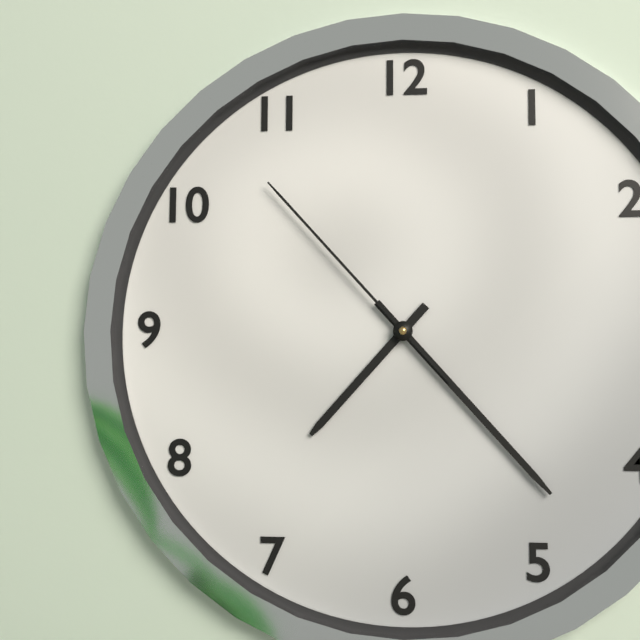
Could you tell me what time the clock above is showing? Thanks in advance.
7:23:53
